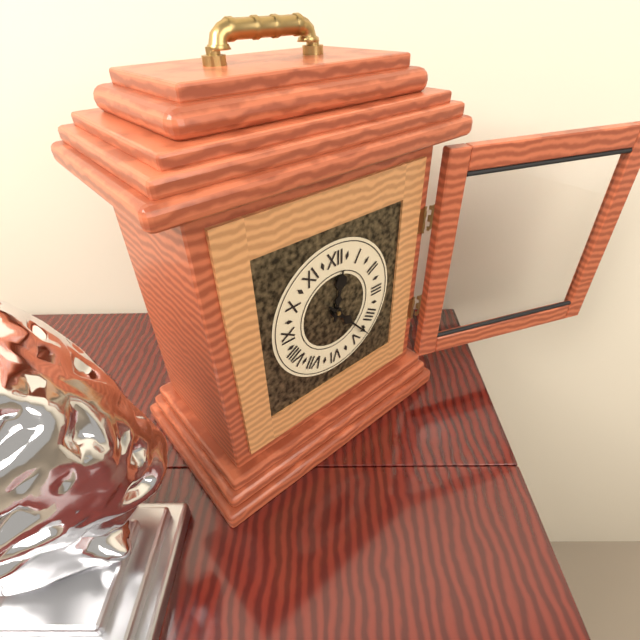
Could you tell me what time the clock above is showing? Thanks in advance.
12:23
